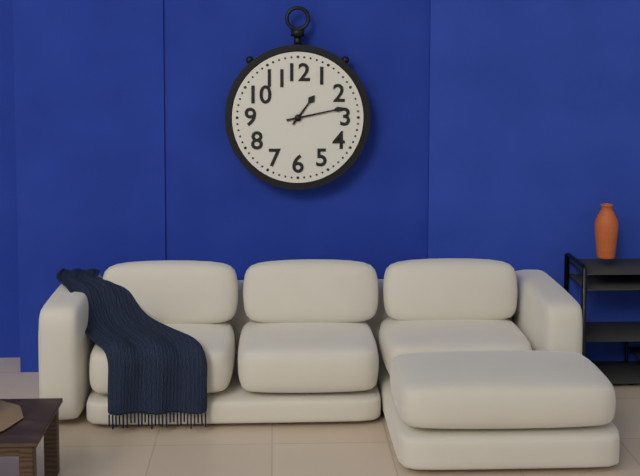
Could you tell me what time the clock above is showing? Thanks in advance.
1:13
